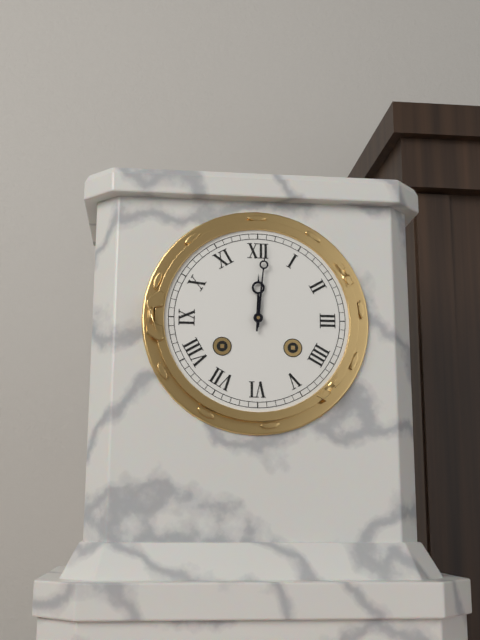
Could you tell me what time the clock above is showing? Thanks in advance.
12:01
